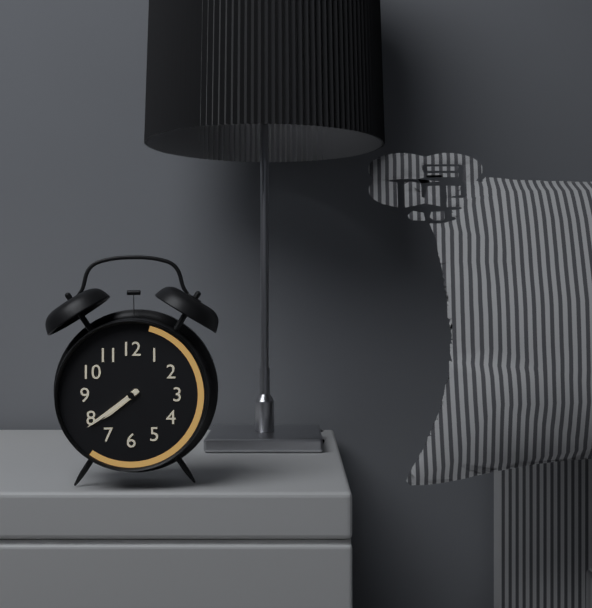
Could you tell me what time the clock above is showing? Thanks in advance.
7:39
